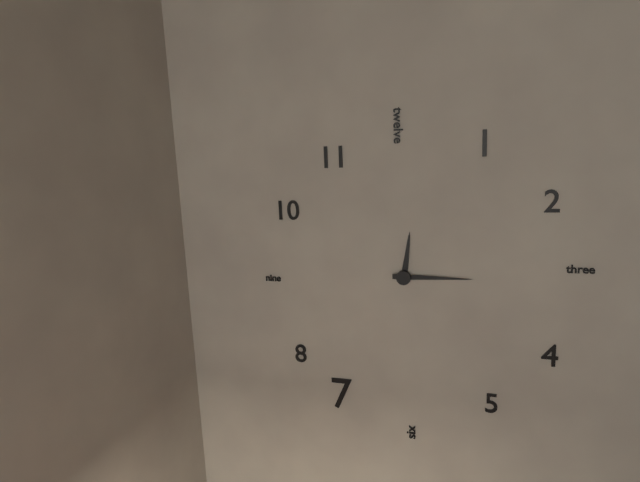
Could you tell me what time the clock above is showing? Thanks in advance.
12:15
